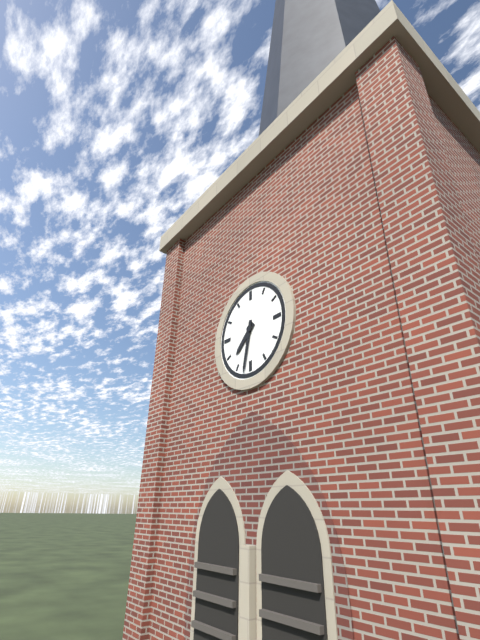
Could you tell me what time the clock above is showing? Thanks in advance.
7:32
